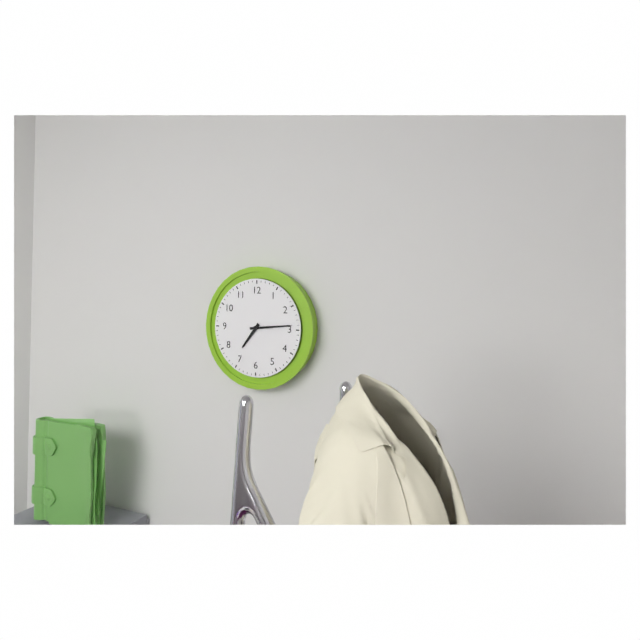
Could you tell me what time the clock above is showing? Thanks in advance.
7:14
